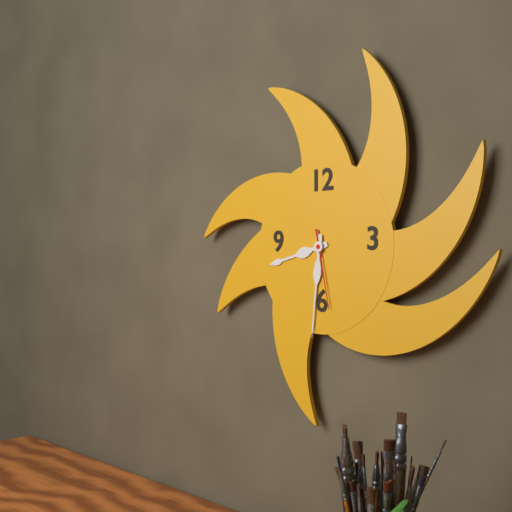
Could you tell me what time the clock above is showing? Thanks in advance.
8:31:28
